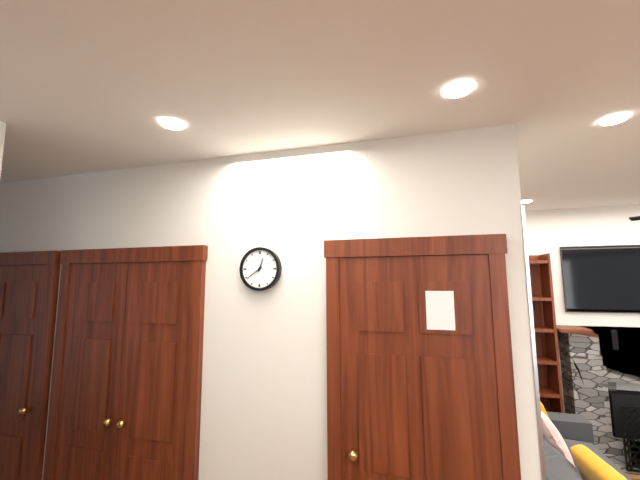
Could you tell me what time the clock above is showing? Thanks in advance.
12:39
